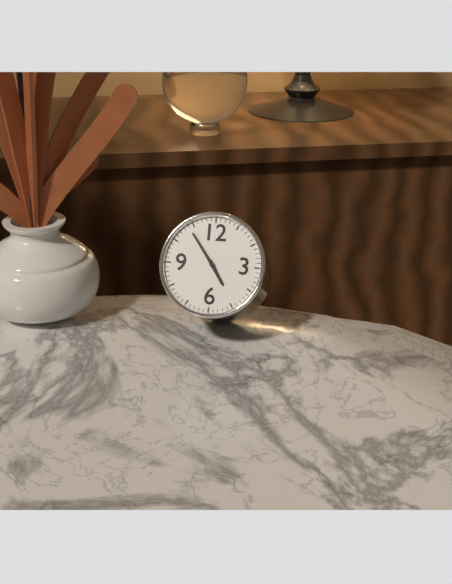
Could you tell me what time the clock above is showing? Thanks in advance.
4:54
